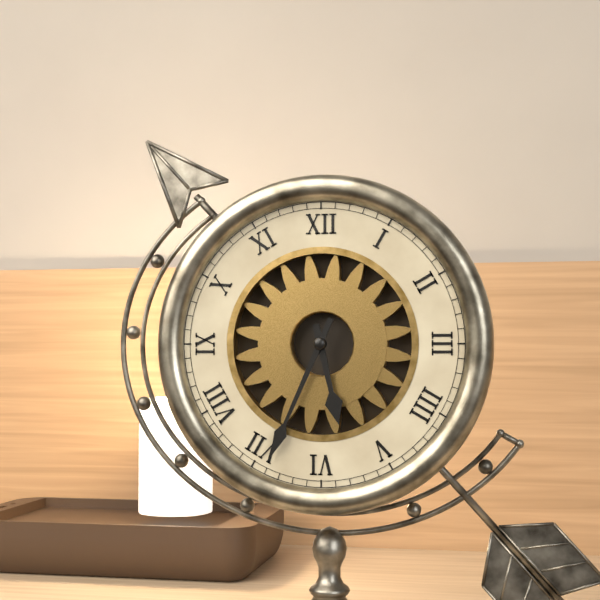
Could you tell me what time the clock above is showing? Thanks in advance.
5:34
